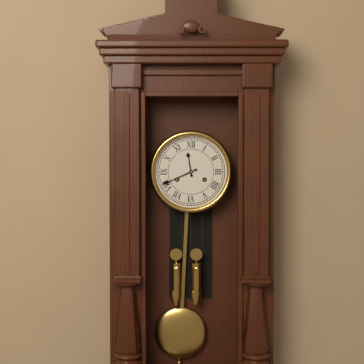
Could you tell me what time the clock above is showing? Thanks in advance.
11:41
